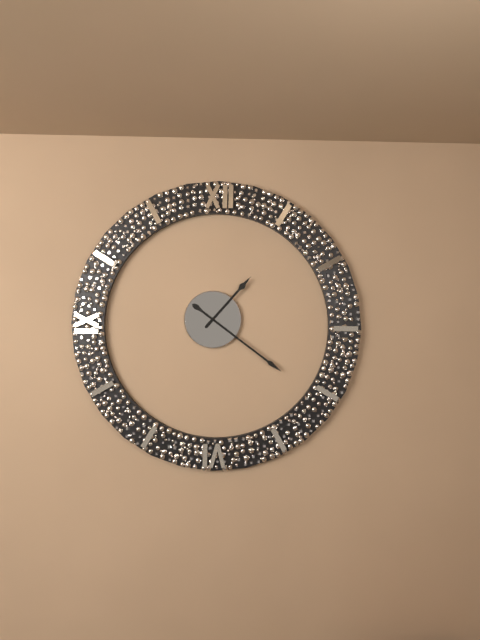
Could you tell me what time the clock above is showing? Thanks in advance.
1:21
